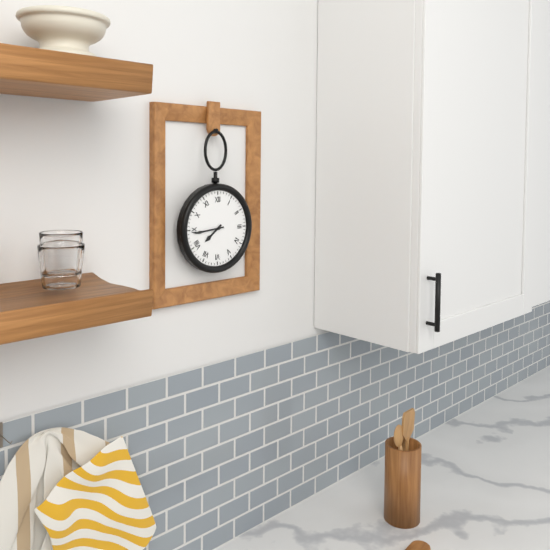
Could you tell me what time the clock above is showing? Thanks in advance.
7:44
